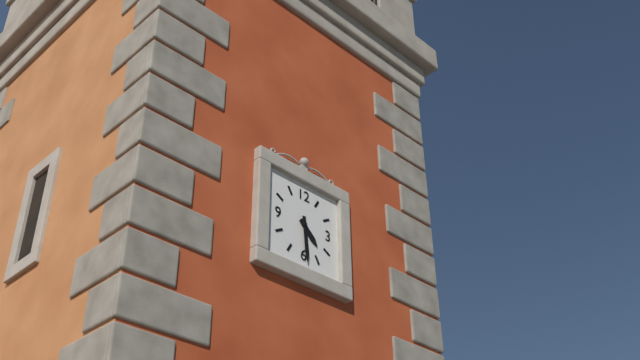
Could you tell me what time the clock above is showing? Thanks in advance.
4:29
